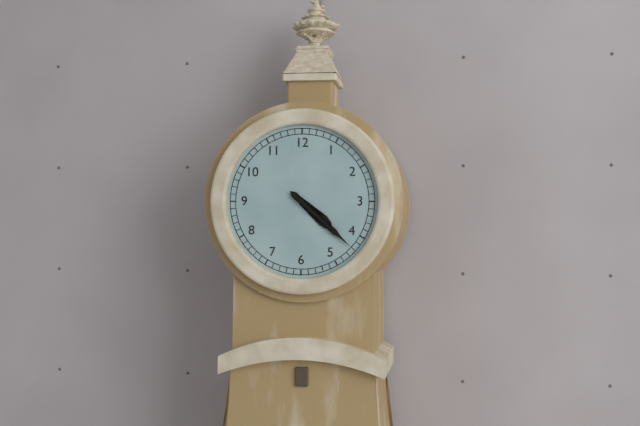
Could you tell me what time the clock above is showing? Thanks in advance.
4:22
